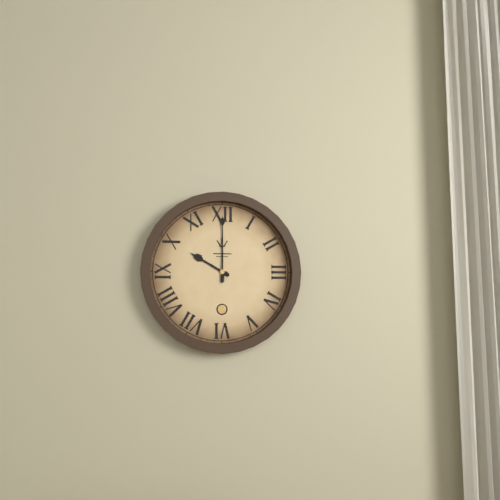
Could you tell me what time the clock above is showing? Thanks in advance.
10:00
